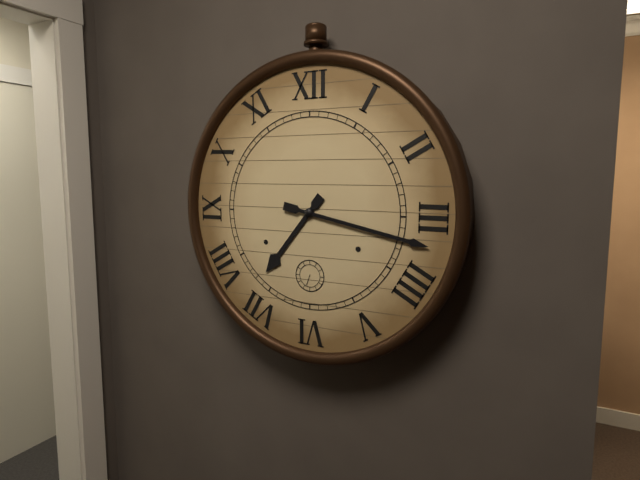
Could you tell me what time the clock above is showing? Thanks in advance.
7:17
